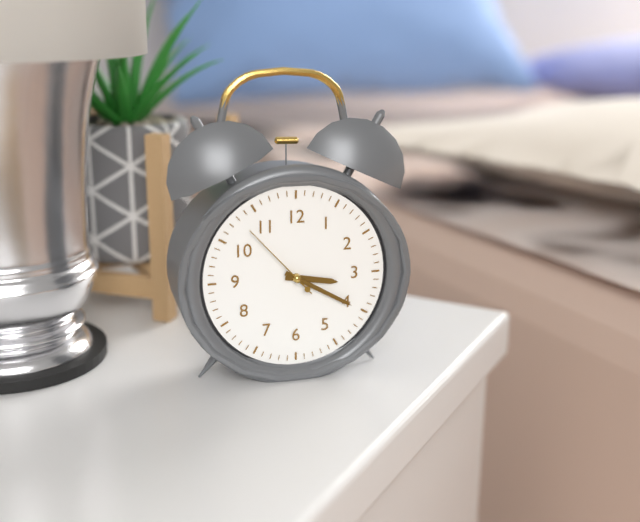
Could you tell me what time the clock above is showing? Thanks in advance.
3:20:53
